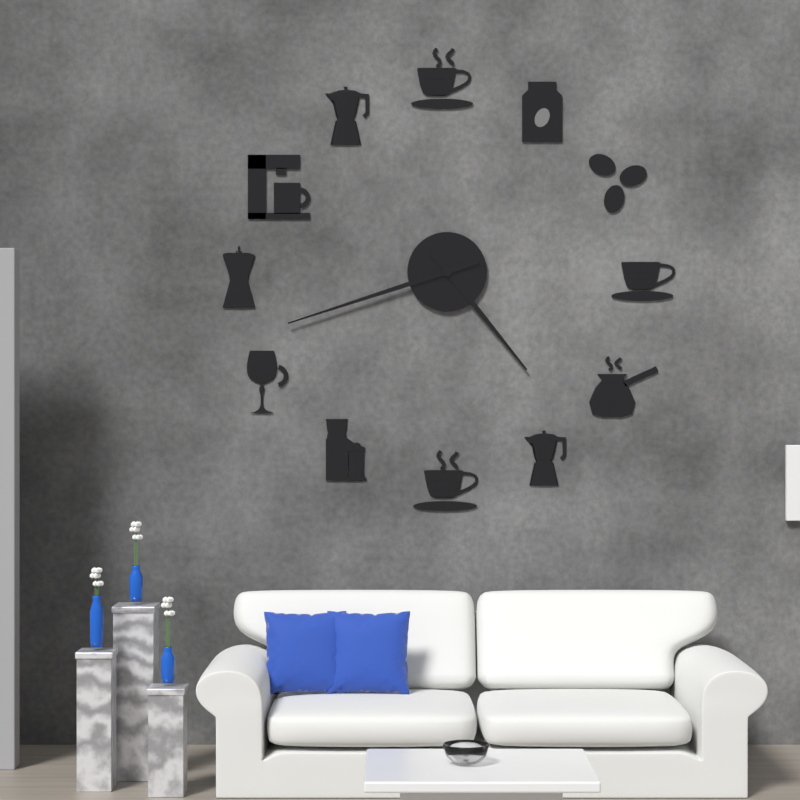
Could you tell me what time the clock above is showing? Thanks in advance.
4:42
